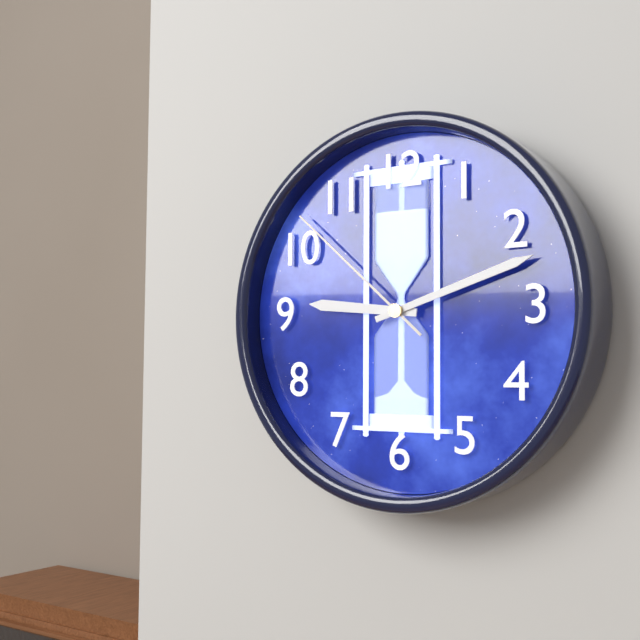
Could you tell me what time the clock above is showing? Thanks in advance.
9:12:52
